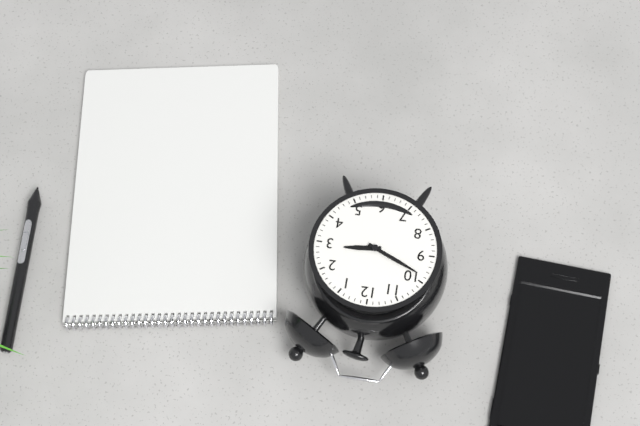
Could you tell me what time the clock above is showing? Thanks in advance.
2:49
